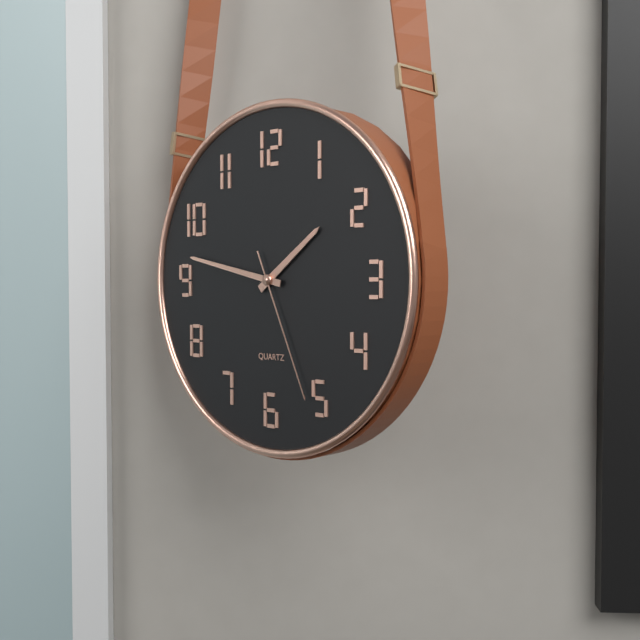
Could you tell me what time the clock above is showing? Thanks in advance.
1:47:26
